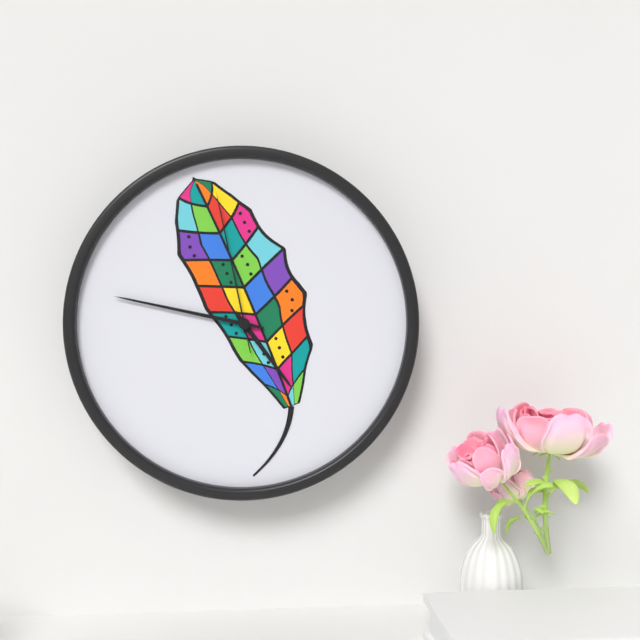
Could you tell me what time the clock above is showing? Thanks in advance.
4:47:58
